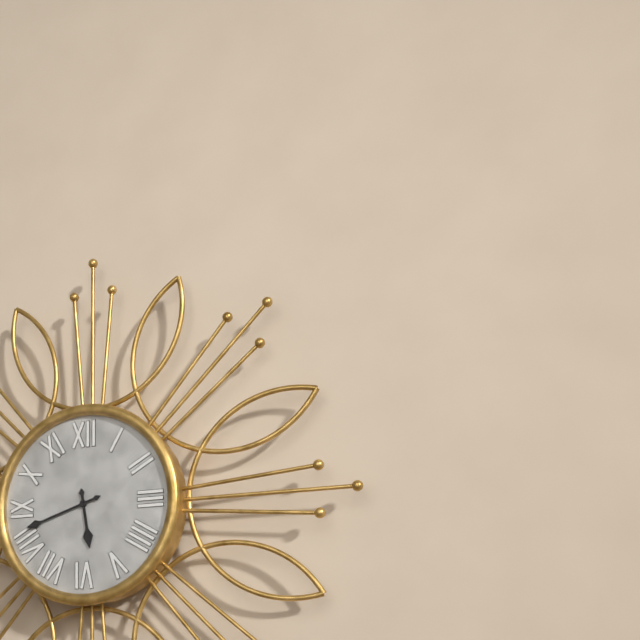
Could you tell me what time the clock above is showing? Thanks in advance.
5:42
